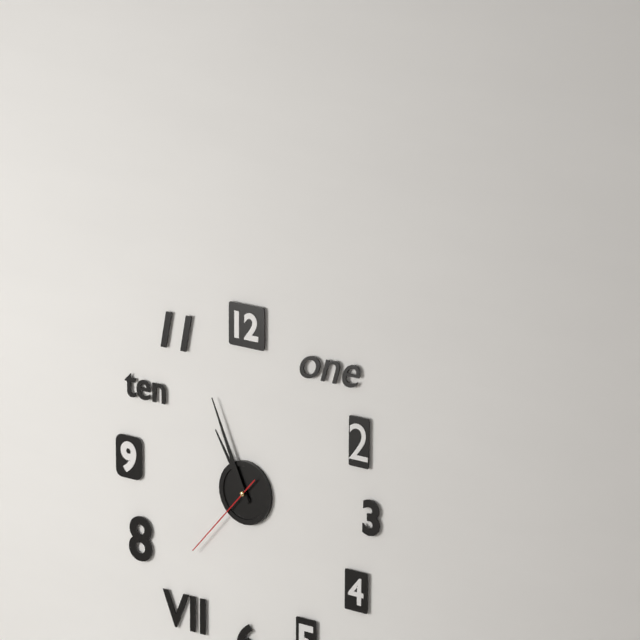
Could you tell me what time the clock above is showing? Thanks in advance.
10:56:37
